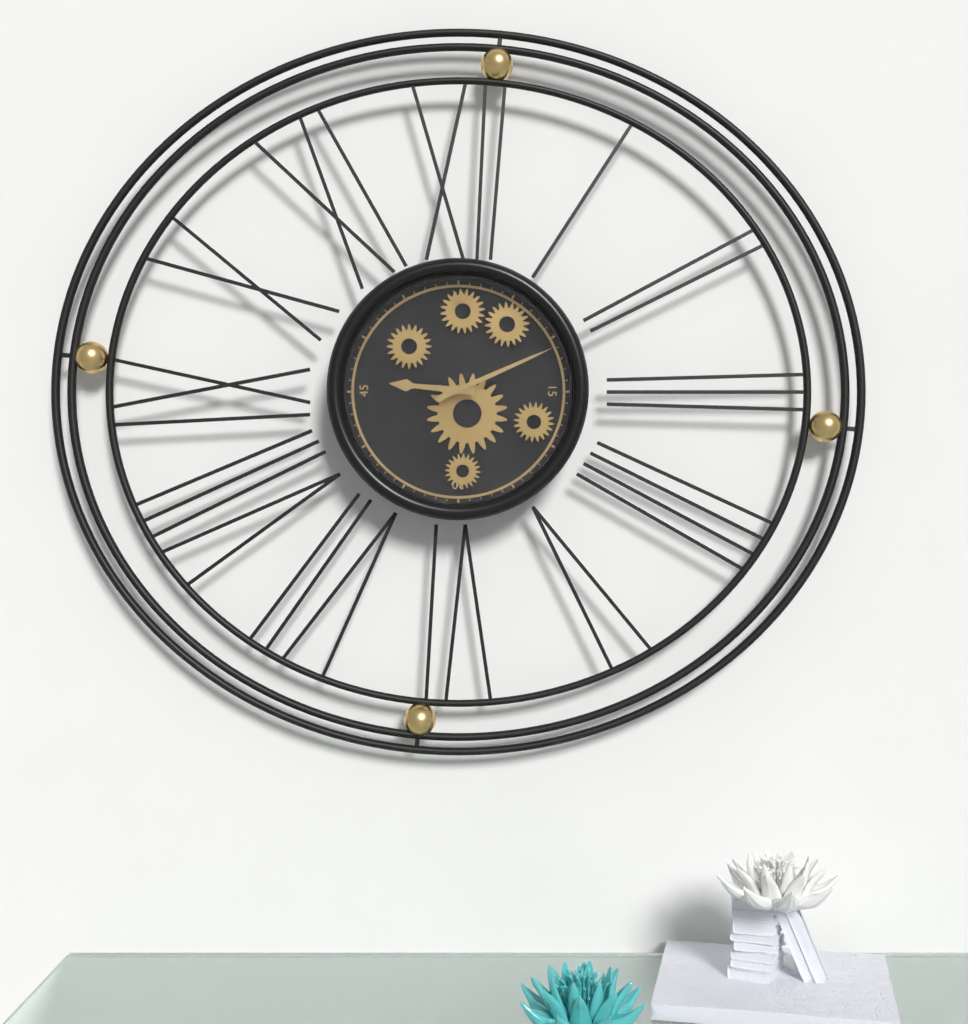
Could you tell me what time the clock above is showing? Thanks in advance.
9:11
